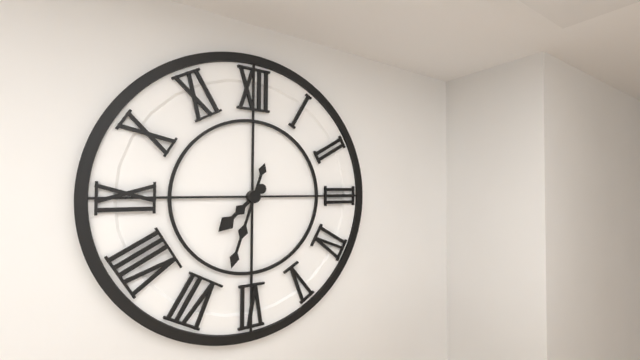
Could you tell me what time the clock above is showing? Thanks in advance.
7:33
